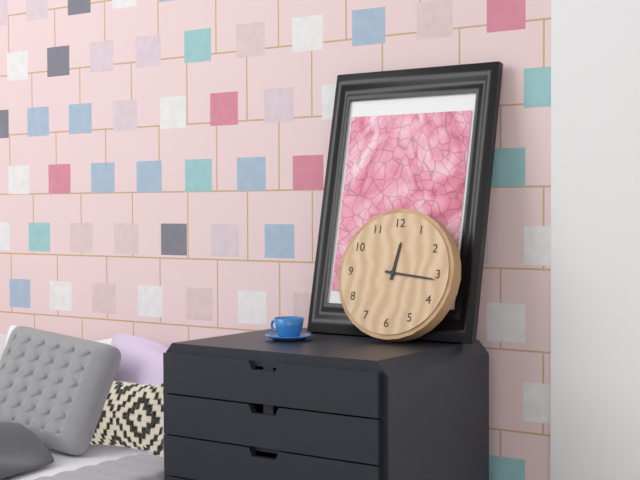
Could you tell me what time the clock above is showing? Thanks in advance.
12:16
